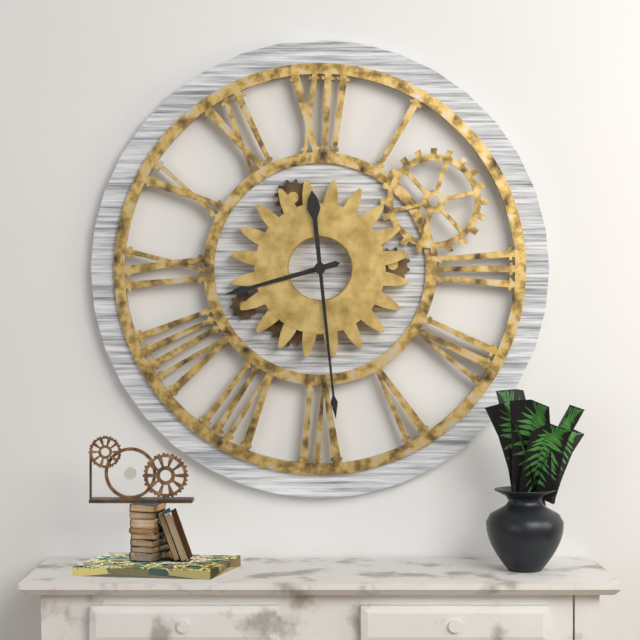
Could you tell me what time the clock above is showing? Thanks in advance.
8:29
